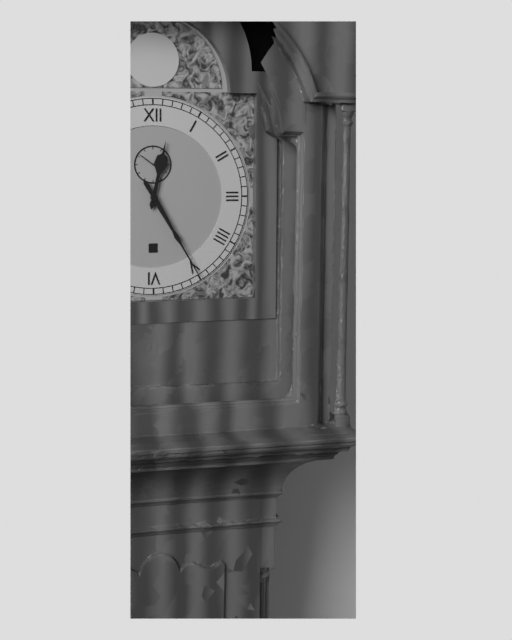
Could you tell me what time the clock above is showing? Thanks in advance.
12:25
